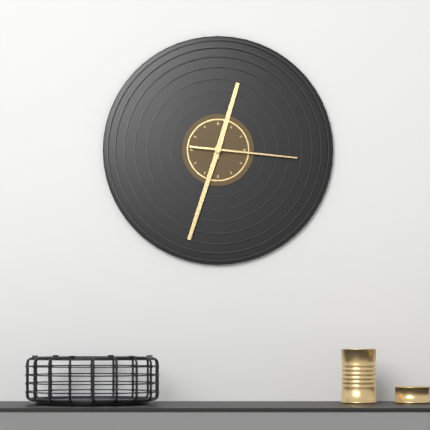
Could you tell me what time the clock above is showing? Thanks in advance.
12:33:16
